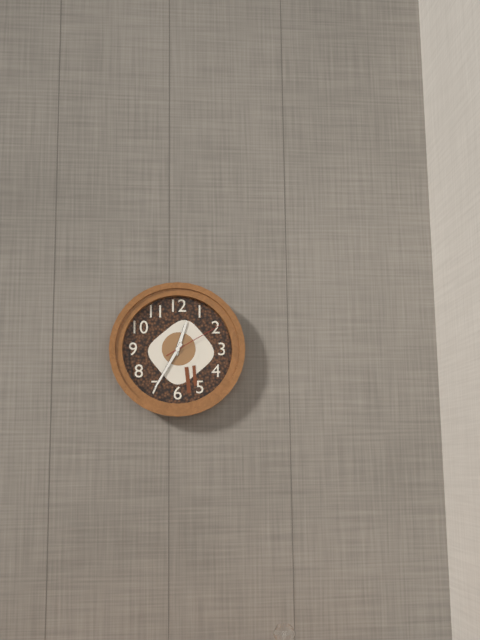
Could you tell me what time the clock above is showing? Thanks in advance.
12:35:10
